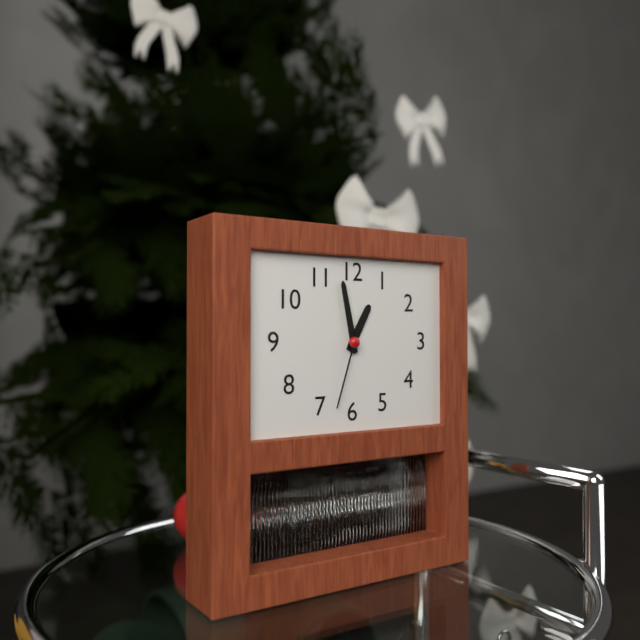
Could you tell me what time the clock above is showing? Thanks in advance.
12:58:33
